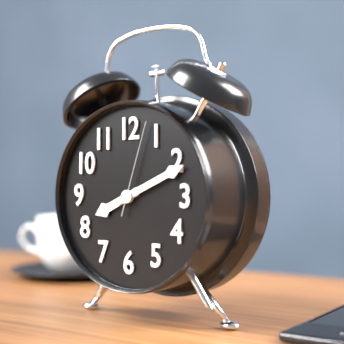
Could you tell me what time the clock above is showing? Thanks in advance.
8:11:03
